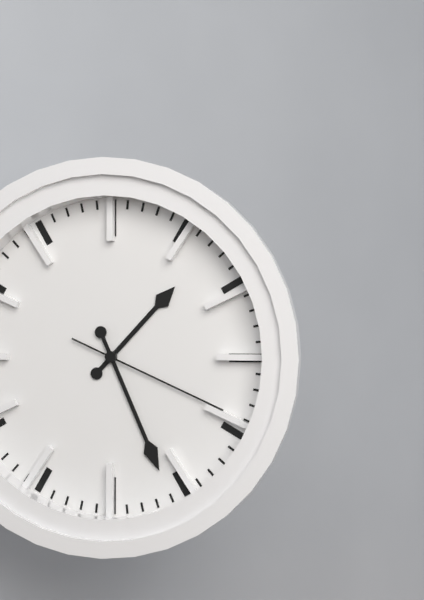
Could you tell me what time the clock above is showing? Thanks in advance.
1:26:19
